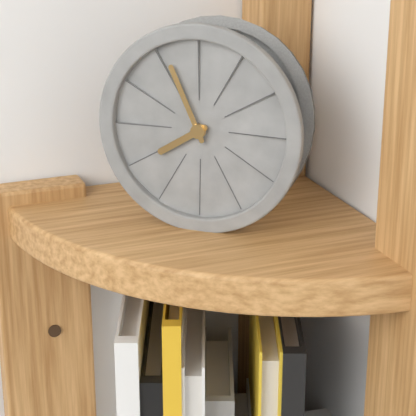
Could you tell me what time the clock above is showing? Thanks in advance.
7:56
